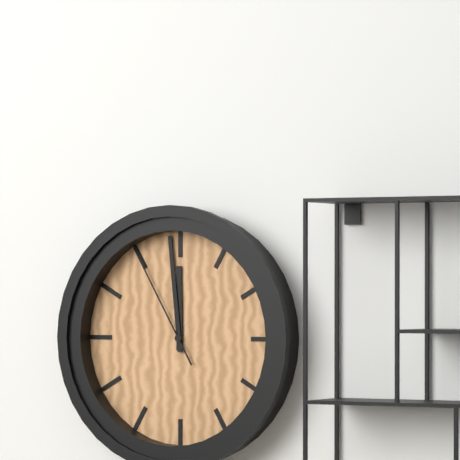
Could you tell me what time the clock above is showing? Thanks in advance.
11:59:55
